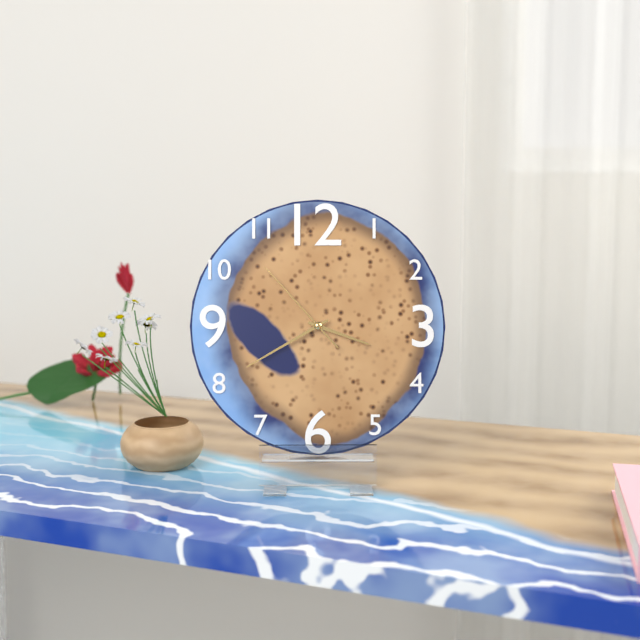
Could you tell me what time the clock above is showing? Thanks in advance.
3:40:53
